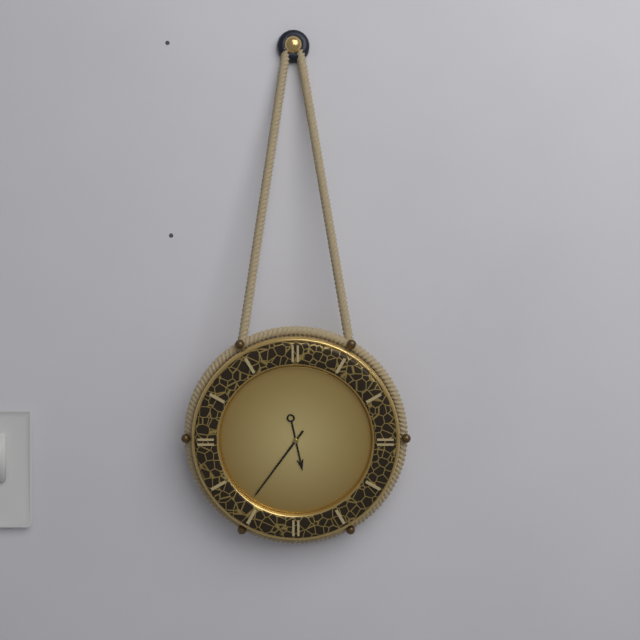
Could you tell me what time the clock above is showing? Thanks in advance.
5:36
